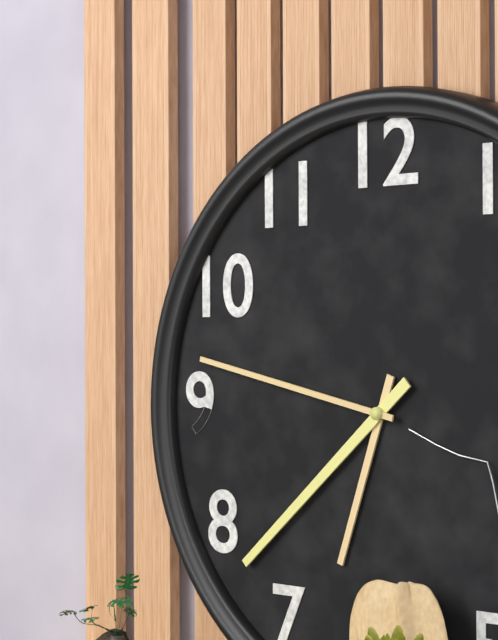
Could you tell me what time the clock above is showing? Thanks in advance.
6:38:47
